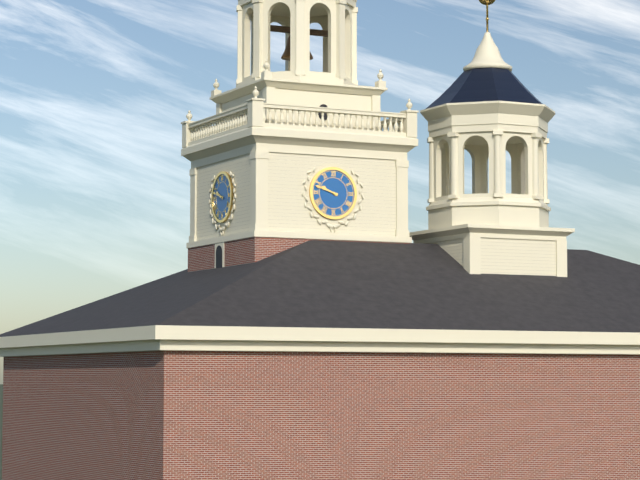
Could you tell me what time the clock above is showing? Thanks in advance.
9:48
